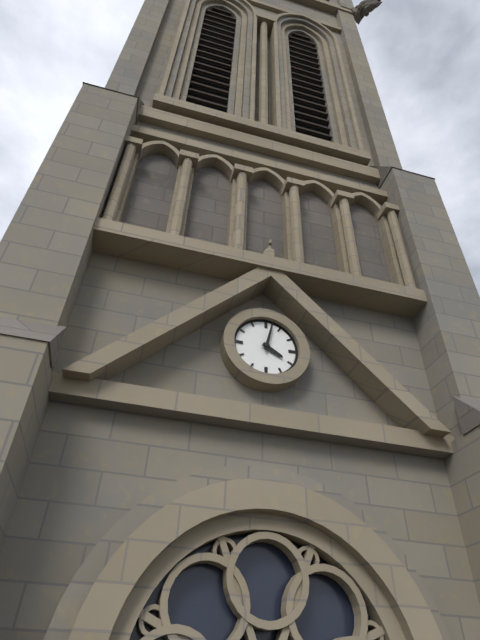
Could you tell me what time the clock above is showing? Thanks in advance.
4:02
